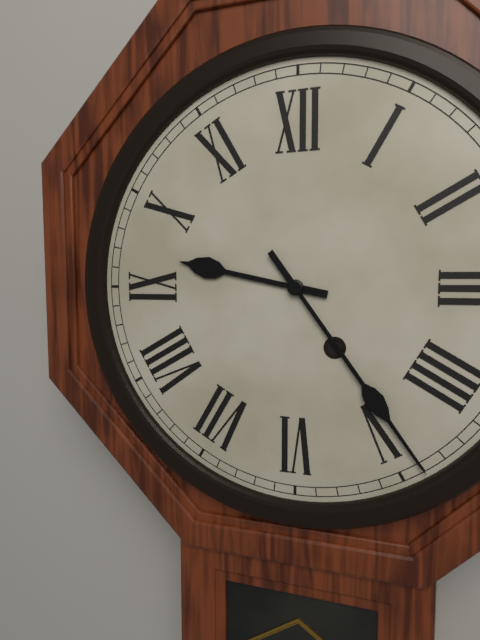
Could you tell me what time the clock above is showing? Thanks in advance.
9:24
